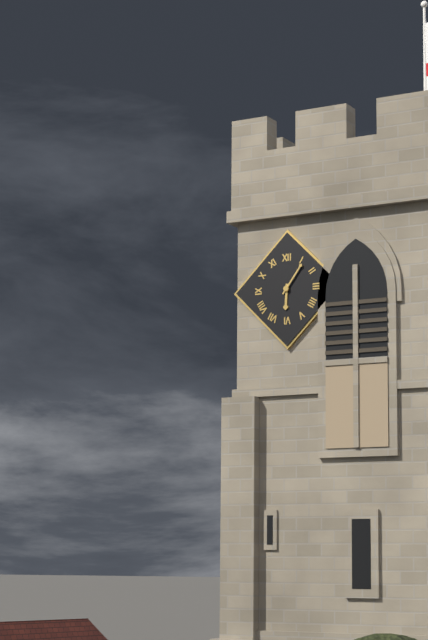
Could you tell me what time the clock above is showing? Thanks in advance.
6:06
